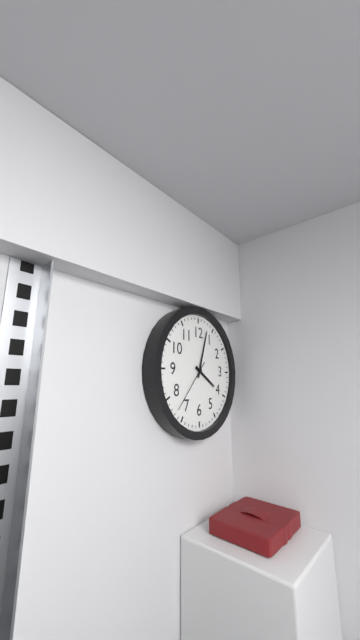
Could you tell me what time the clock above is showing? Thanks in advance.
4:03:37
